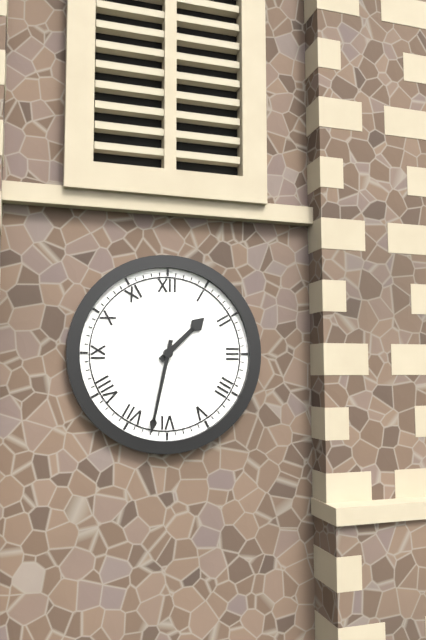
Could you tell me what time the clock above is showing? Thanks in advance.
1:32
